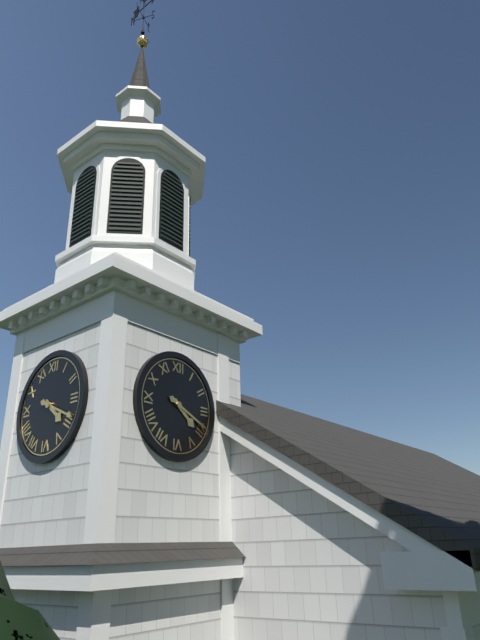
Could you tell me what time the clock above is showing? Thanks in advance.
4:19
